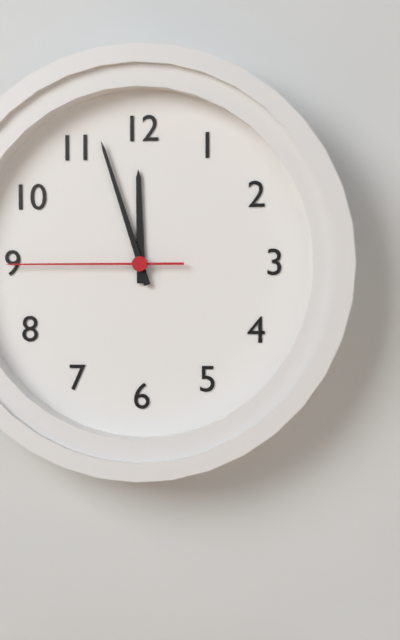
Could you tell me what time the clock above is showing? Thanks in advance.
11:57:45
